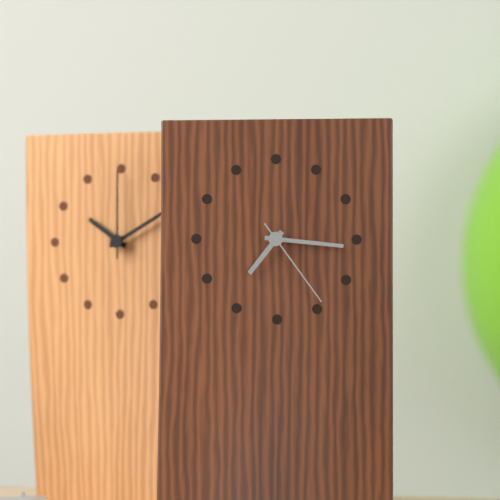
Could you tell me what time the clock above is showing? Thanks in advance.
7:16:24
